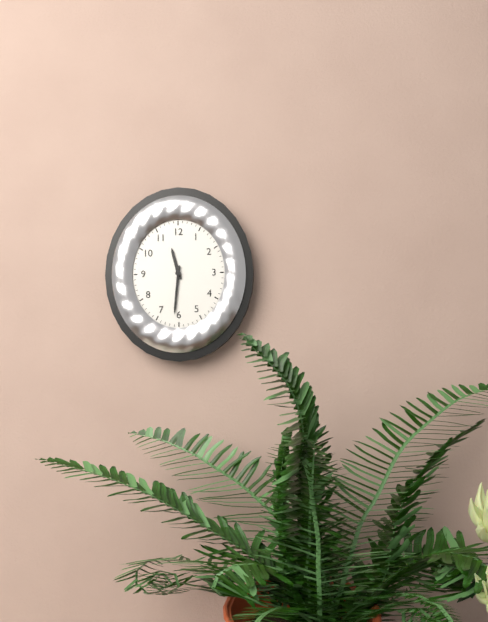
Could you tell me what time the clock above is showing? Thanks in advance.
11:31
